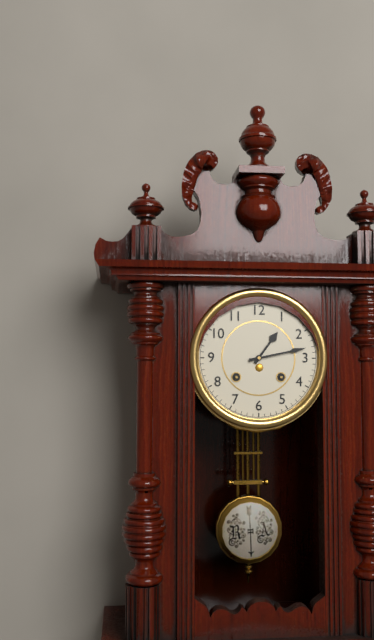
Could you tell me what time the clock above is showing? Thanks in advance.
1:13
